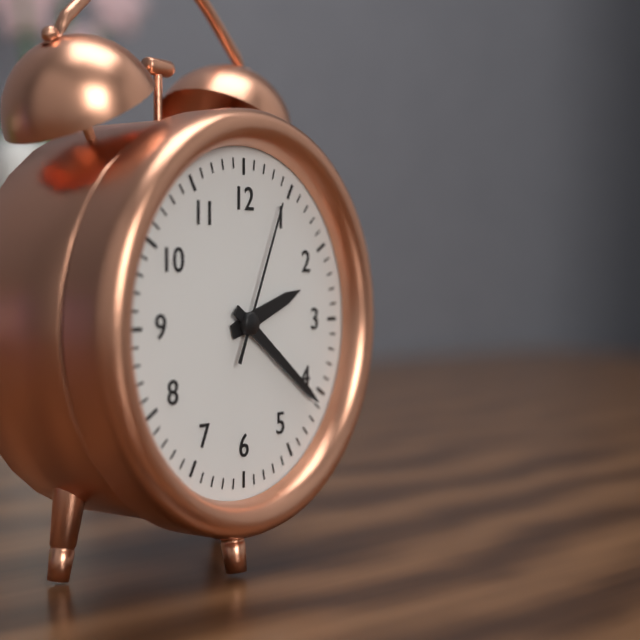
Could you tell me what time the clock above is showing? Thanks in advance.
2:21:04
